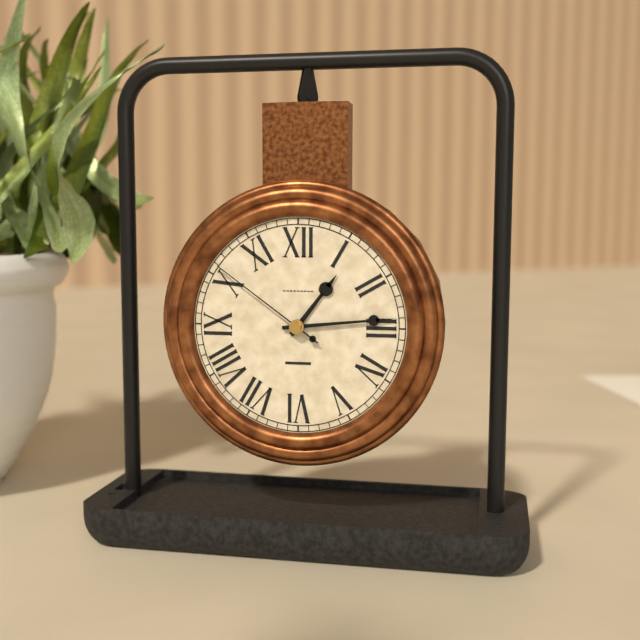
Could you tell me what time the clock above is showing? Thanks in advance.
1:14:51
